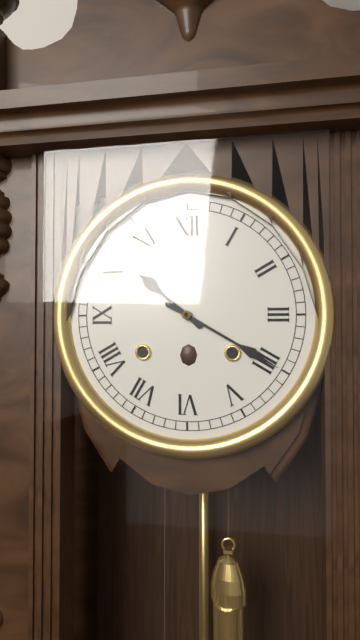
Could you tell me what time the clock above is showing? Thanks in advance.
10:20
